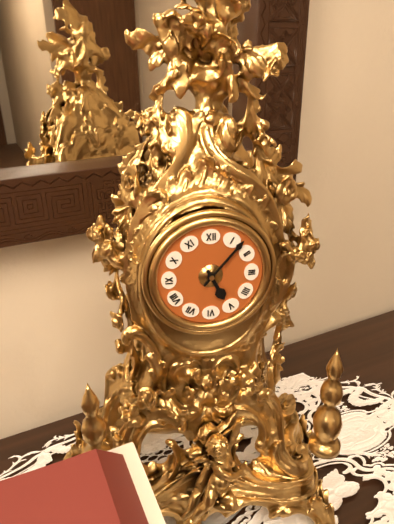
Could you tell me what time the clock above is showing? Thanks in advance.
5:07
